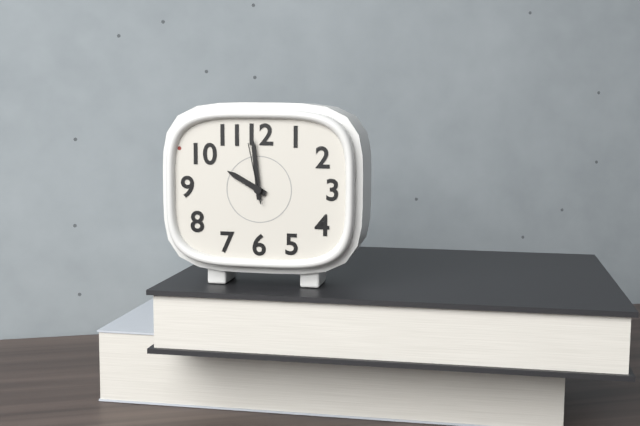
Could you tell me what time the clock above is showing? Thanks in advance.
9:59:58
